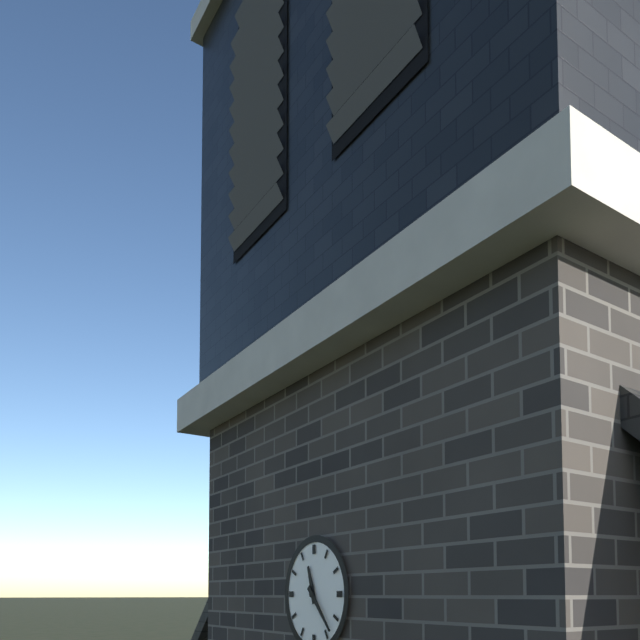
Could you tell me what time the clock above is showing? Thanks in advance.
11:23
